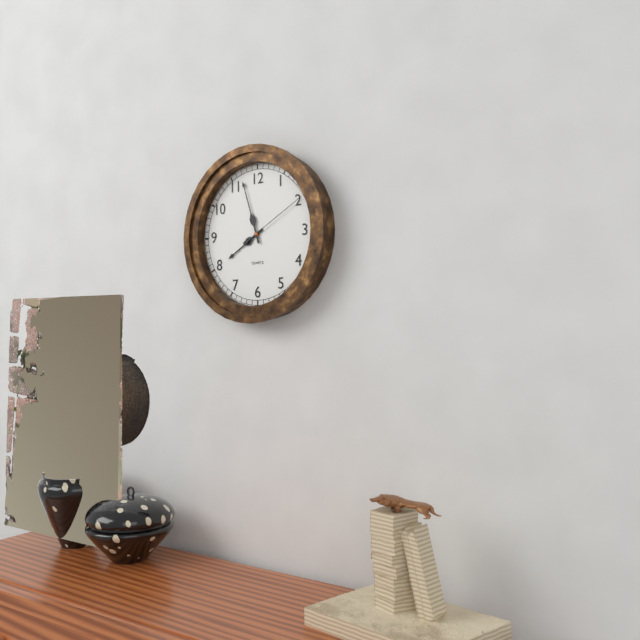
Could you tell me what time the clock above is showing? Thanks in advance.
7:57:10
